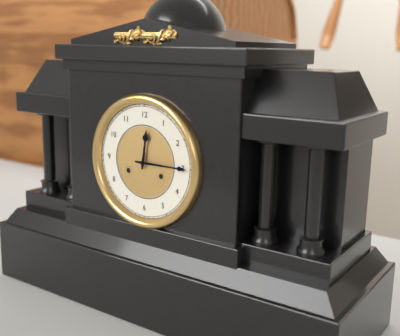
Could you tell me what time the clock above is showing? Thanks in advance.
12:15
